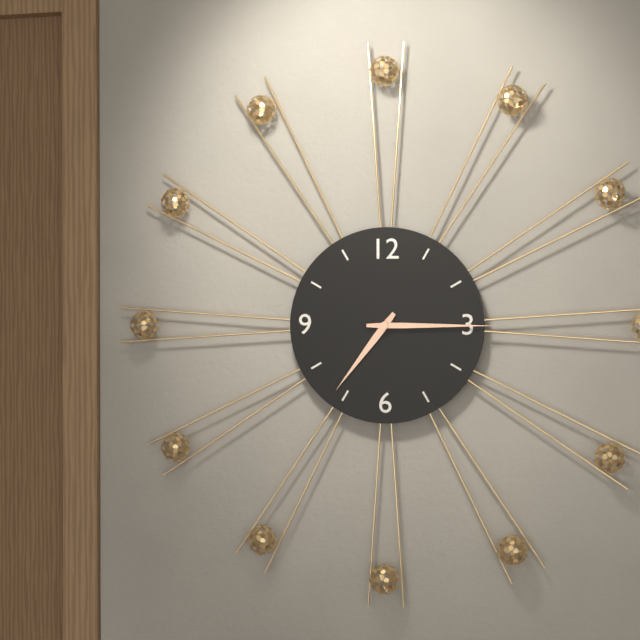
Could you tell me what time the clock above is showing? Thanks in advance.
7:15
